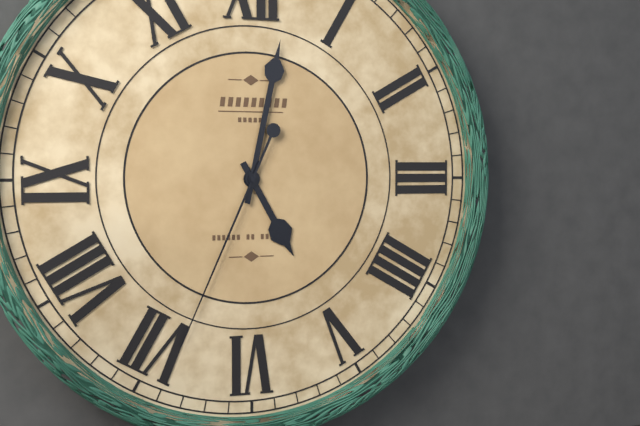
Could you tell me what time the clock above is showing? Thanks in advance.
5:02:34
